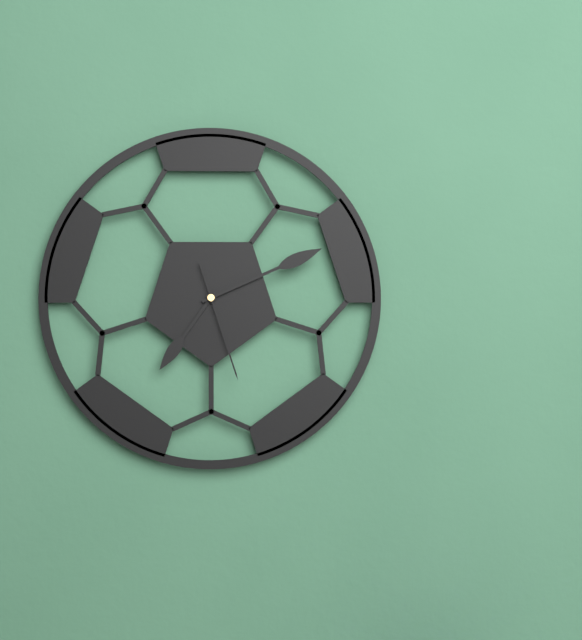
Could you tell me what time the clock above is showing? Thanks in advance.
7:11:27
